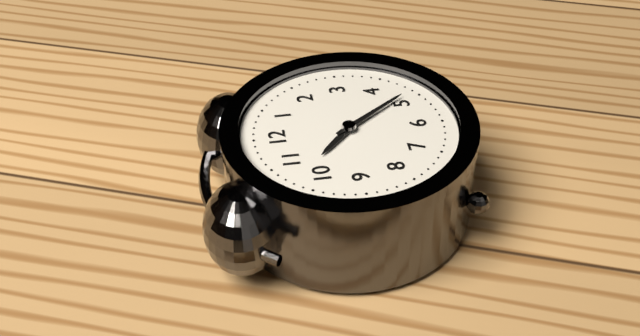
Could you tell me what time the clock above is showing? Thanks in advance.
10:24
